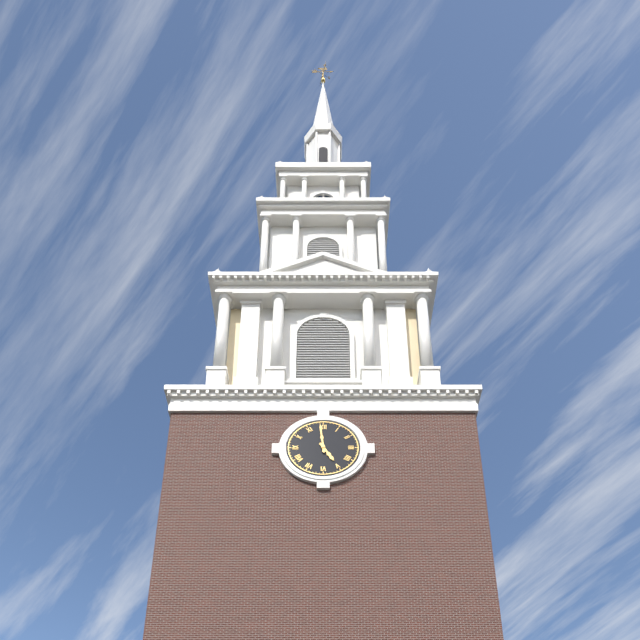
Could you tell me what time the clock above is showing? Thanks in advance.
4:59
